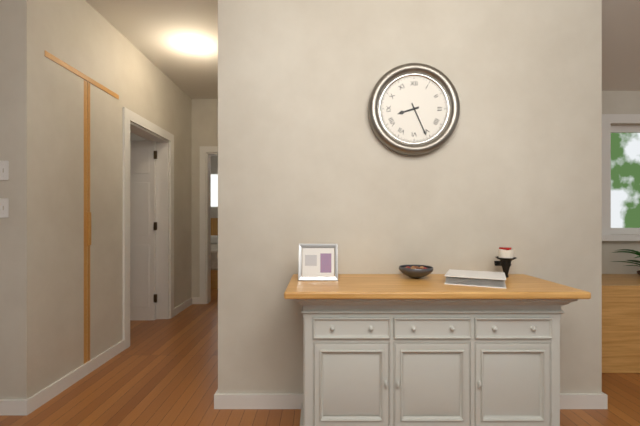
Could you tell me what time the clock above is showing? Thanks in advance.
8:26
